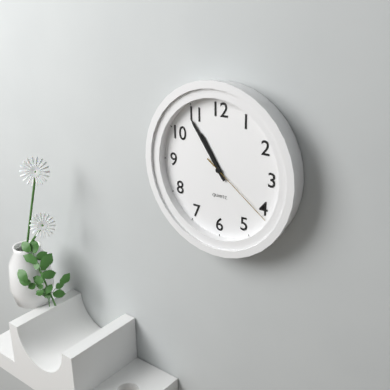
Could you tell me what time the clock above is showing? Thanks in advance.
10:54:21
